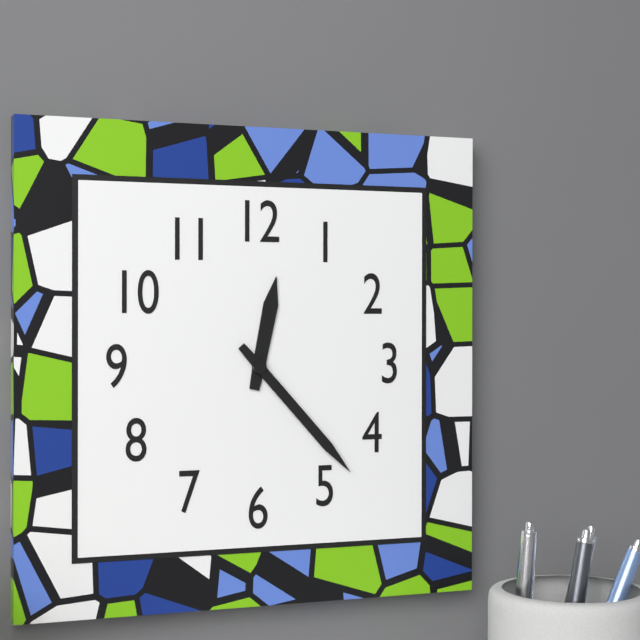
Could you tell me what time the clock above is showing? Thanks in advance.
12:23
